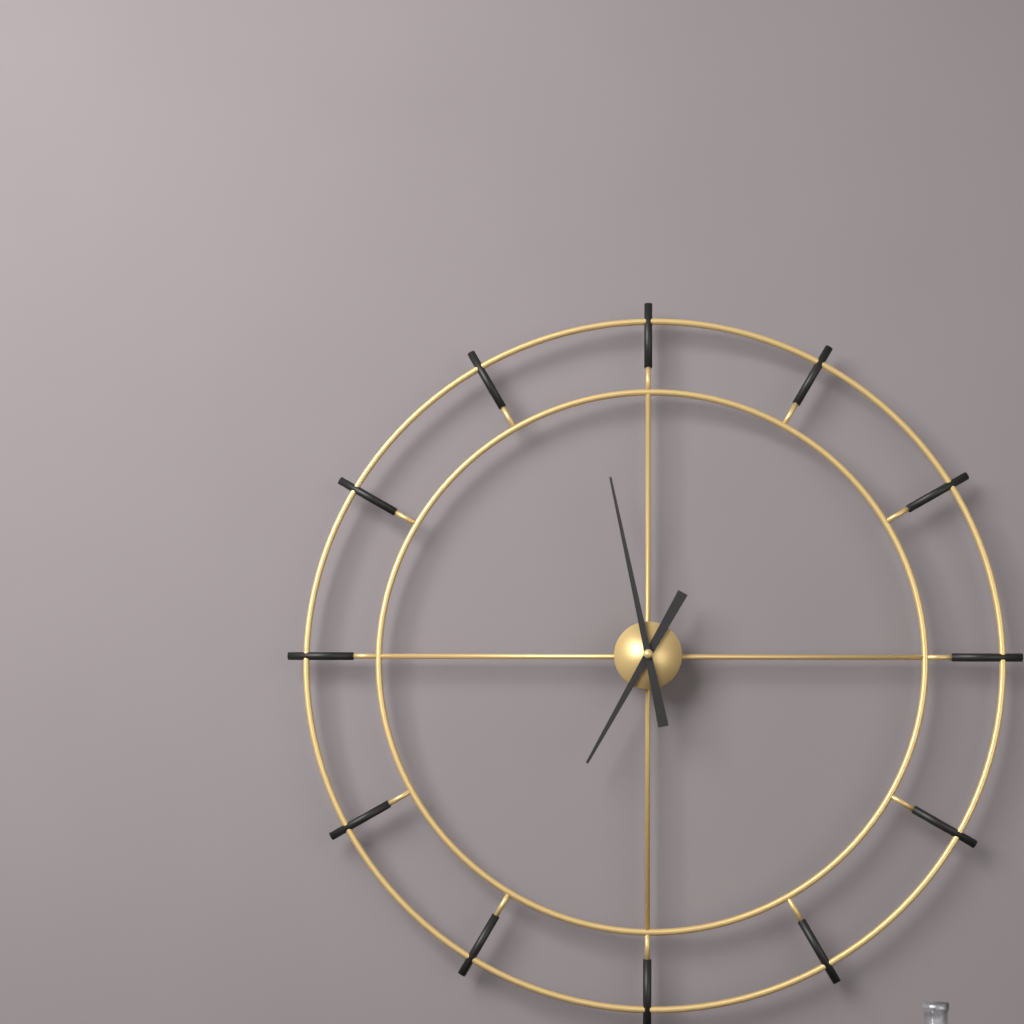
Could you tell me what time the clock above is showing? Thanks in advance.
6:58
